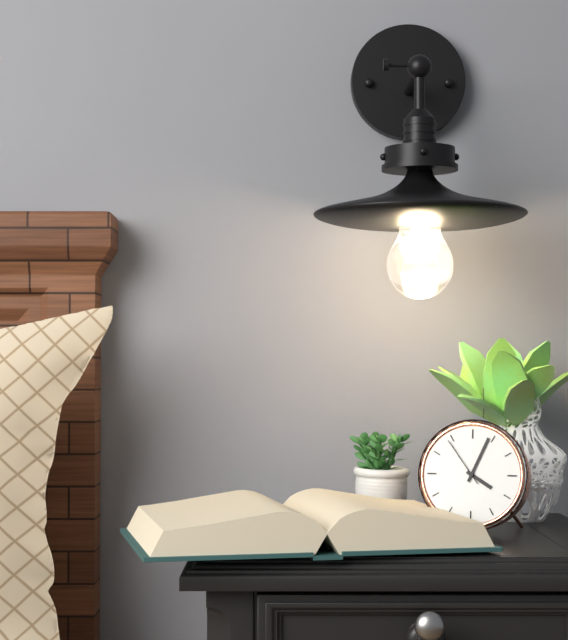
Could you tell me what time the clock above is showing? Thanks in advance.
4:04:54
